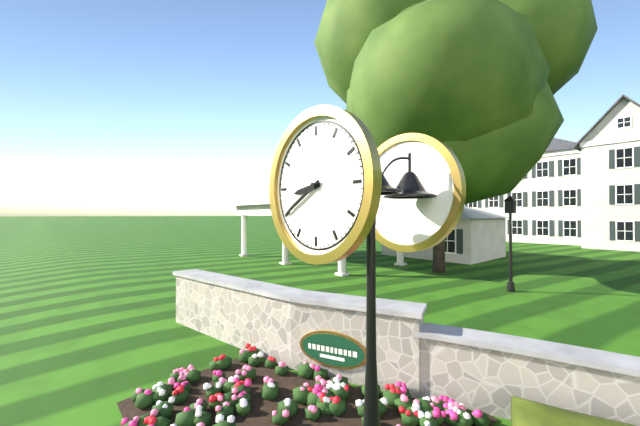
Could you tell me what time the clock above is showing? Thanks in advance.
8:40
